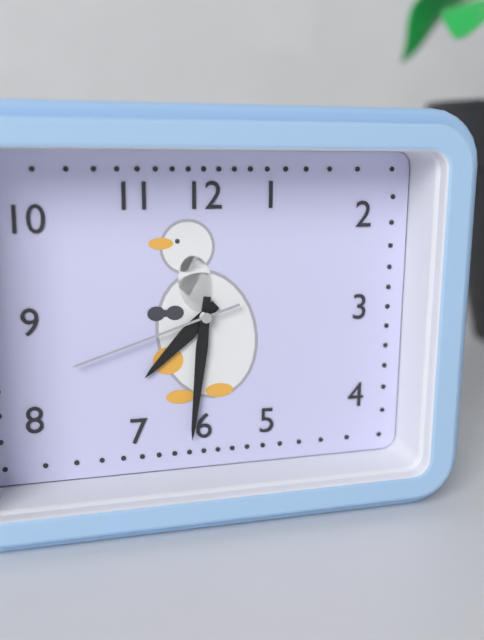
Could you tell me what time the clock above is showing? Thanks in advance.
7:31:42
